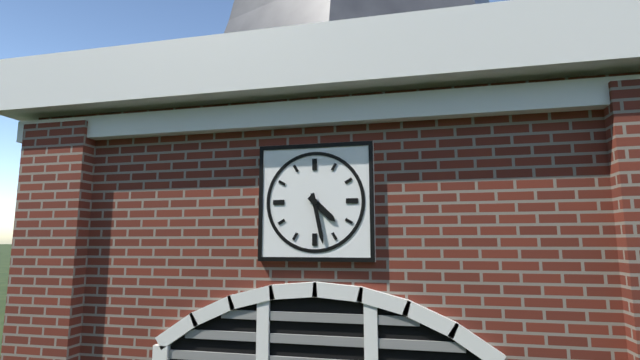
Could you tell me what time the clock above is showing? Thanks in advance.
4:28
